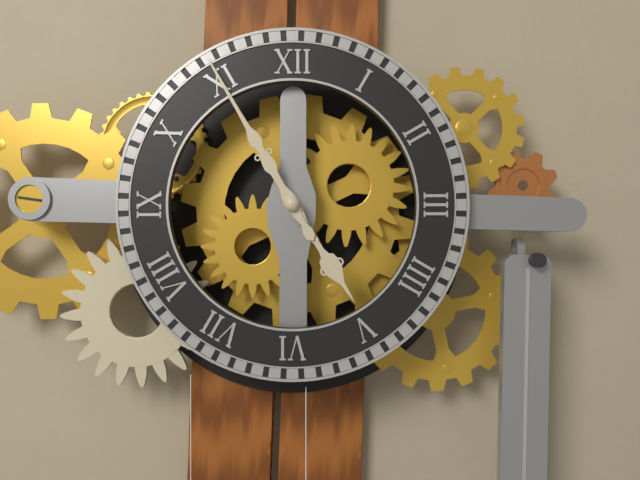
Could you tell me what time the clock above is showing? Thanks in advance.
4:55
